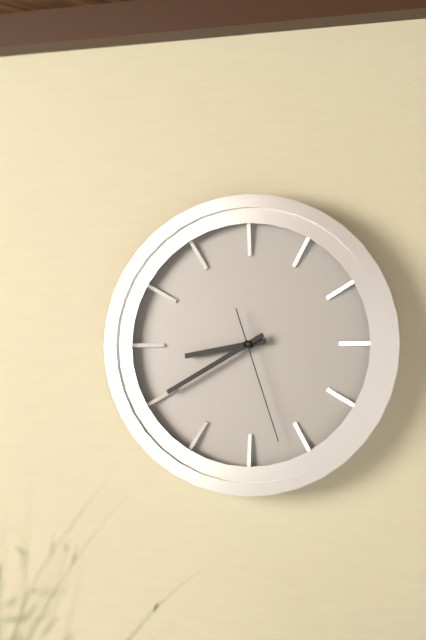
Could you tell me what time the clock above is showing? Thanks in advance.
8:40:27
